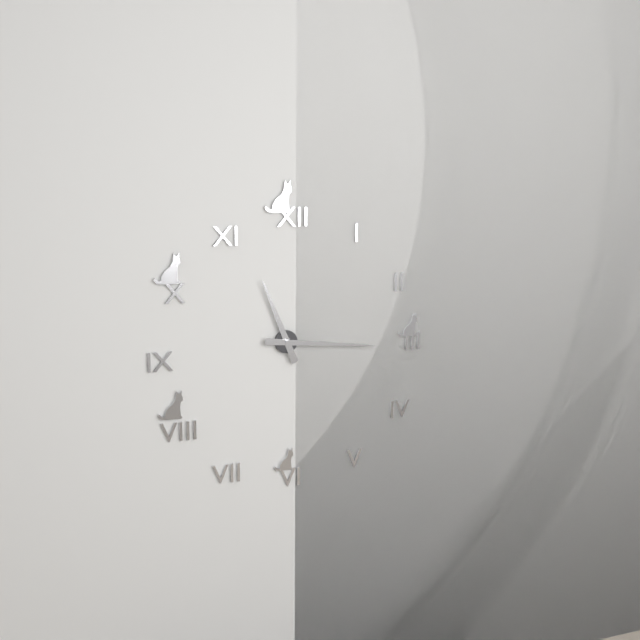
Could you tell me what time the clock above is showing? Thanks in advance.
11:16
